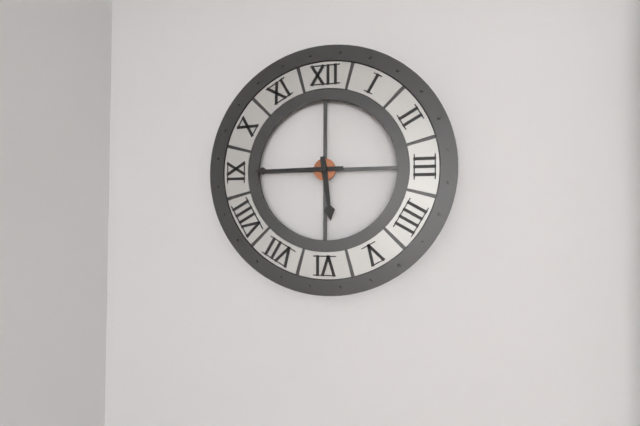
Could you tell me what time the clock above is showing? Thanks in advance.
5:45
